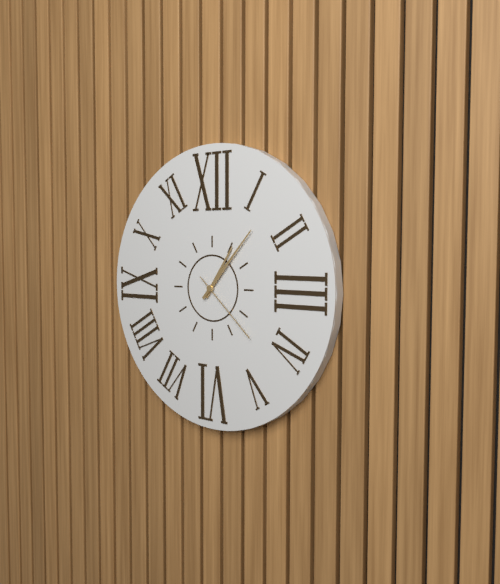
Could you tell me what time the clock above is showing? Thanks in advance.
1:07:22
